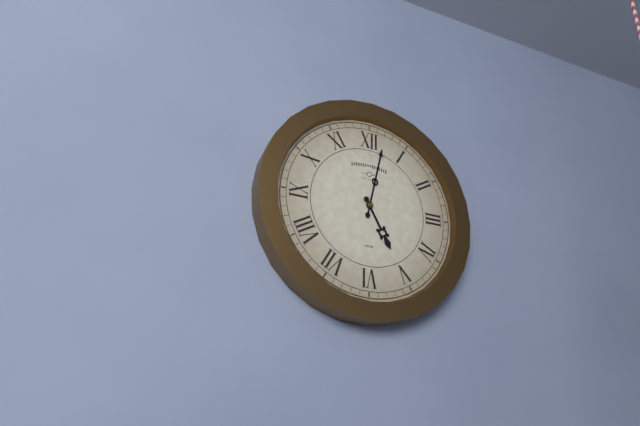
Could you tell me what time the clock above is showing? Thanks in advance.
5:02
